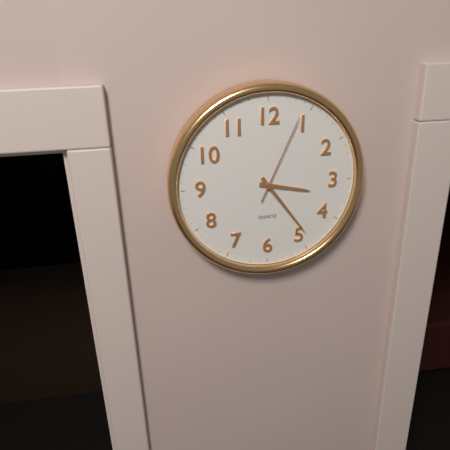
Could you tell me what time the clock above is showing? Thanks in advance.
3:24:04
